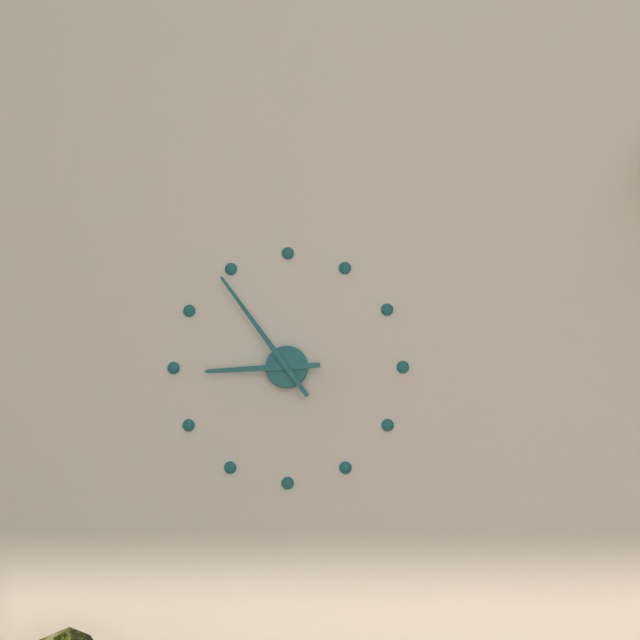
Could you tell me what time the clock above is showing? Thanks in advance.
8:54
